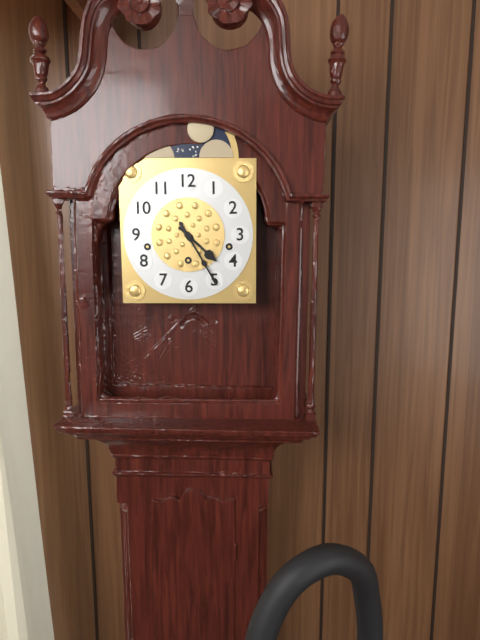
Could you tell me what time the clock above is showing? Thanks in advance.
4:25
